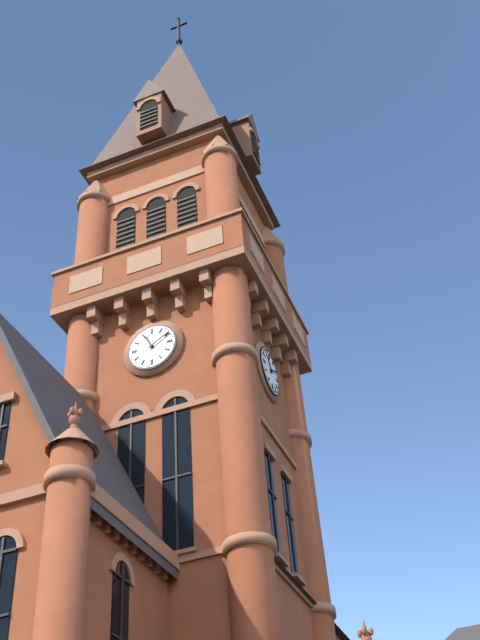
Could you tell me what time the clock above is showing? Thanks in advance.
11:10
